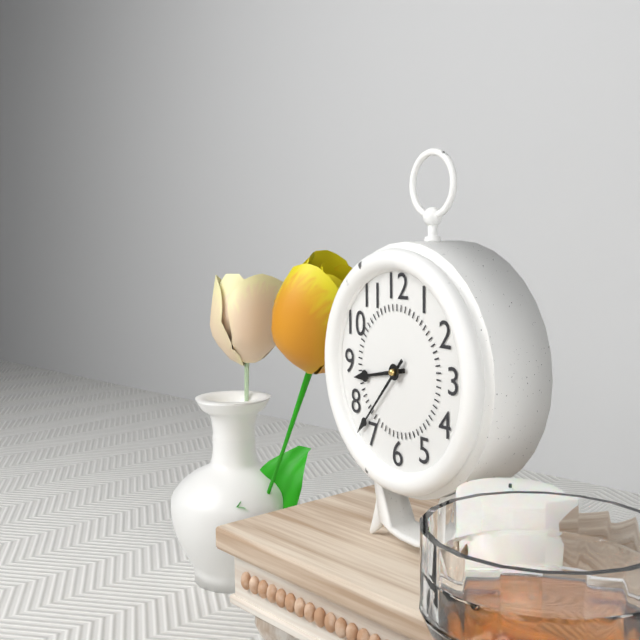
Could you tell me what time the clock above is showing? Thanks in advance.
8:37
